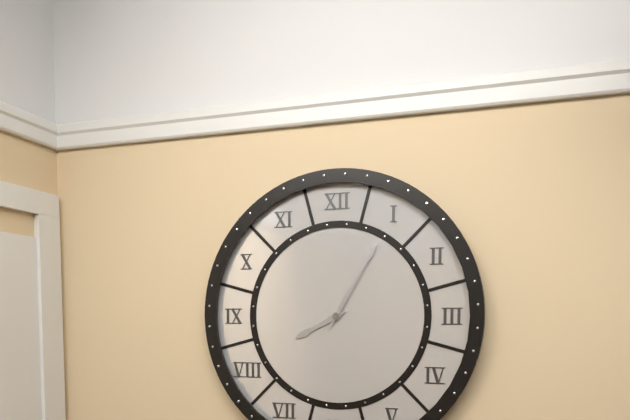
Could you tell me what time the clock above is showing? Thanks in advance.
8:05
